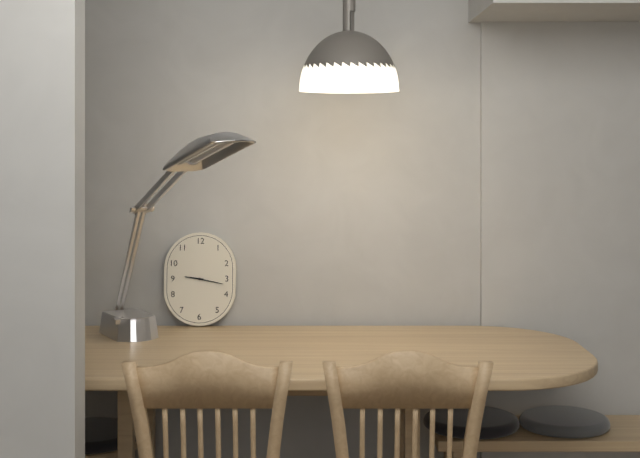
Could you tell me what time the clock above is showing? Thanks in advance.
9:17
